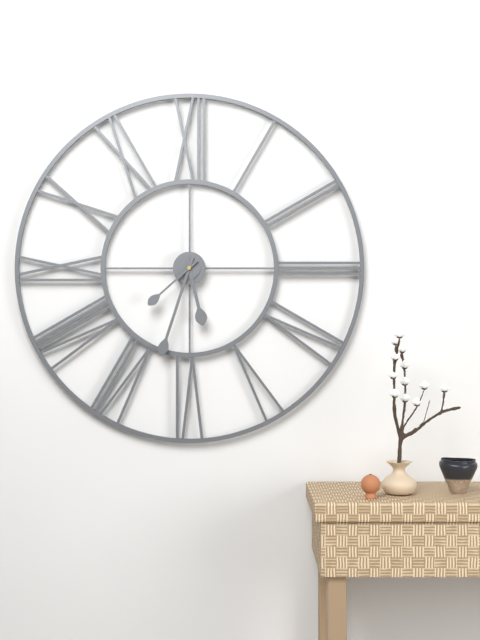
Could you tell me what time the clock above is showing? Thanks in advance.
5:33:38
